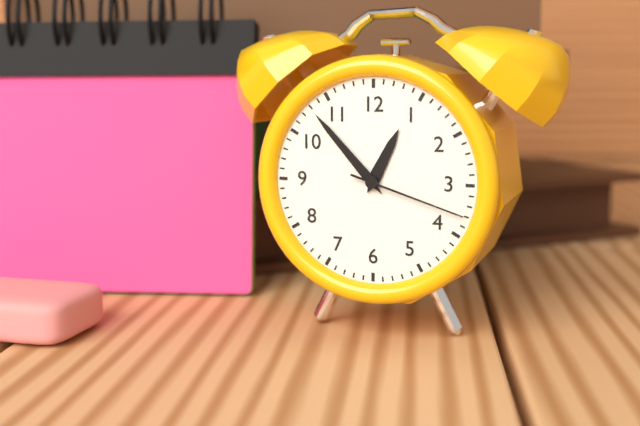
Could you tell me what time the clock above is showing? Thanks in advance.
12:53:18
